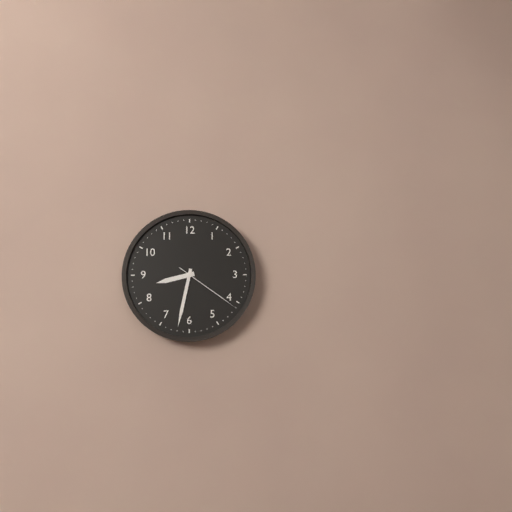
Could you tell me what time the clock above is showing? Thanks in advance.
8:32:21
